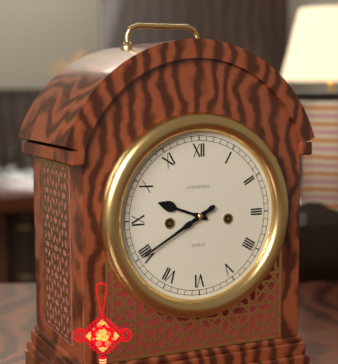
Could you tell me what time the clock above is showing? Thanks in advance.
9:40
